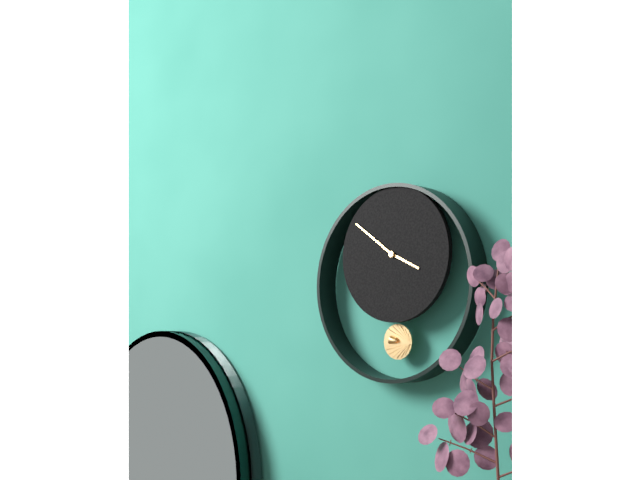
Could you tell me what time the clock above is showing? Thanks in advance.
3:51
